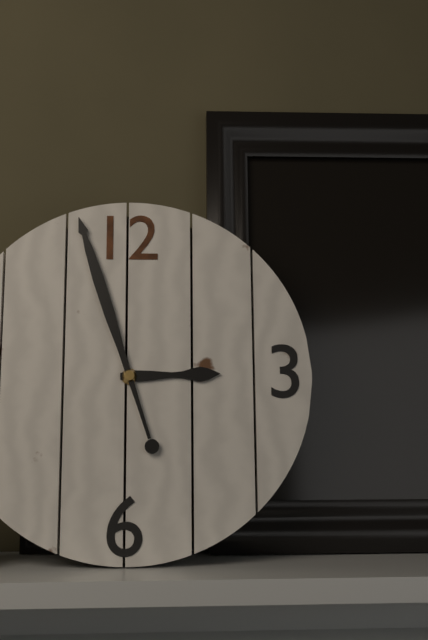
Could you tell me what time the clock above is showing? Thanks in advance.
2:57
